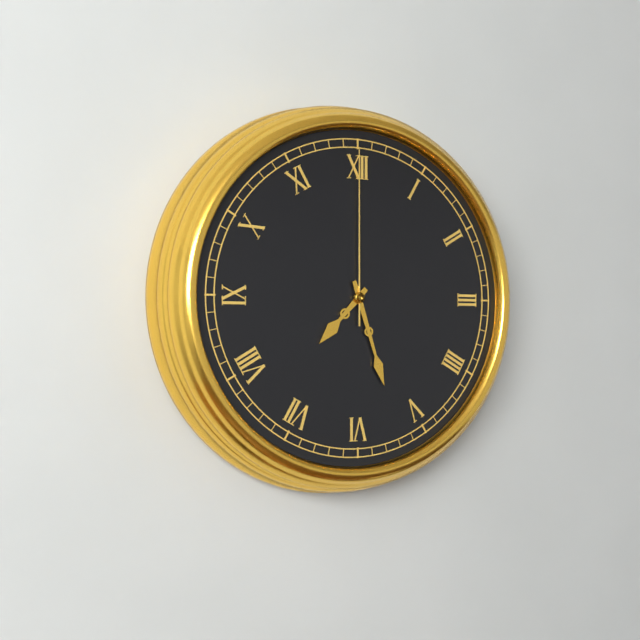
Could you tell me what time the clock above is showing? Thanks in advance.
7:27:00
